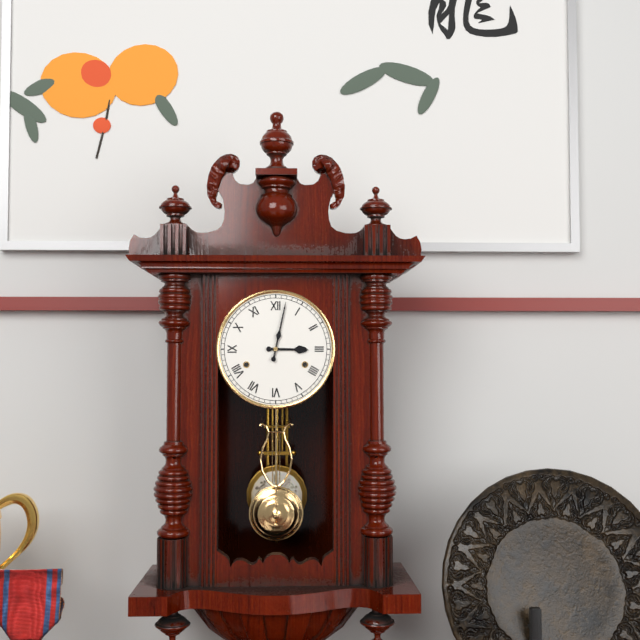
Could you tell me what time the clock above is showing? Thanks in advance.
3:02
